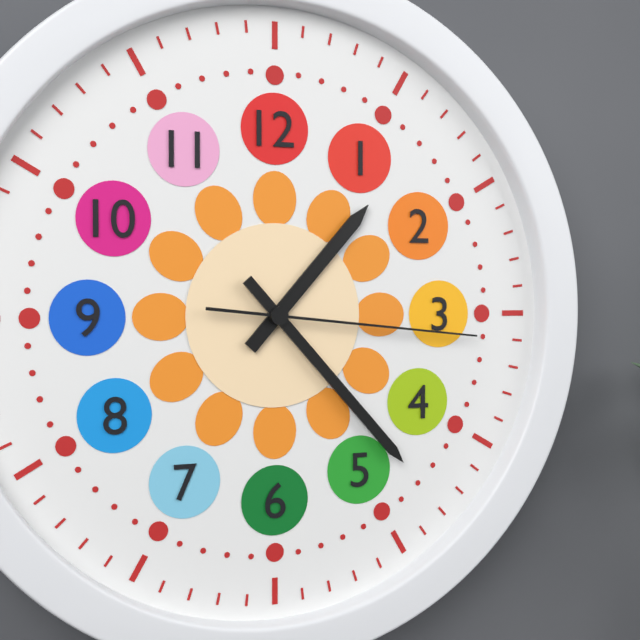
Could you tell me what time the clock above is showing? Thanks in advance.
1:23:16
